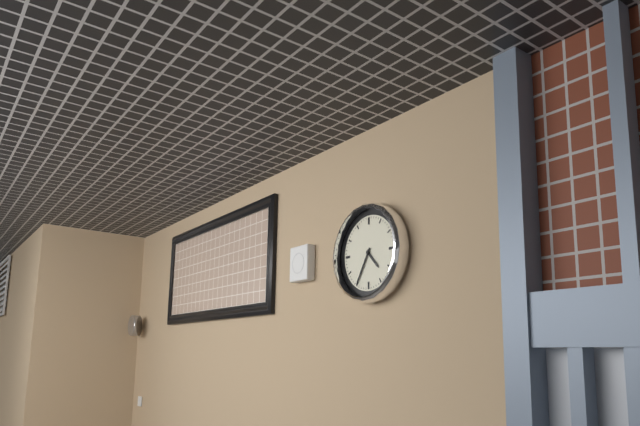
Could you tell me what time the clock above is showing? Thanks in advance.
4:35
